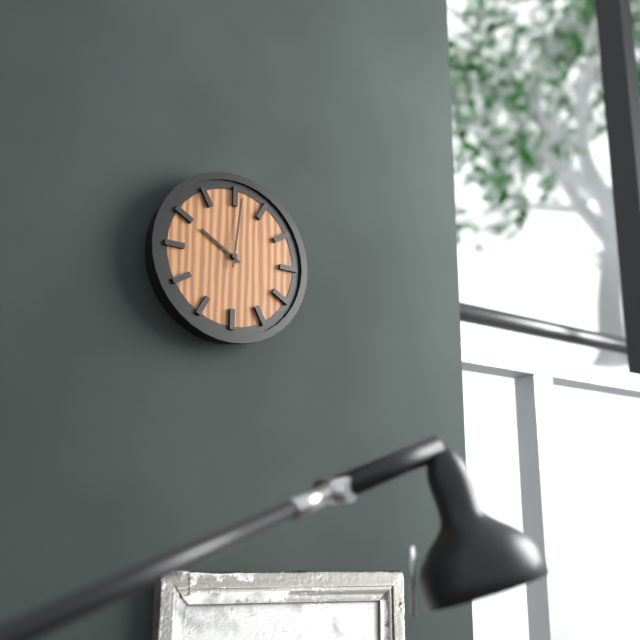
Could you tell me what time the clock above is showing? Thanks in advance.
10:01
